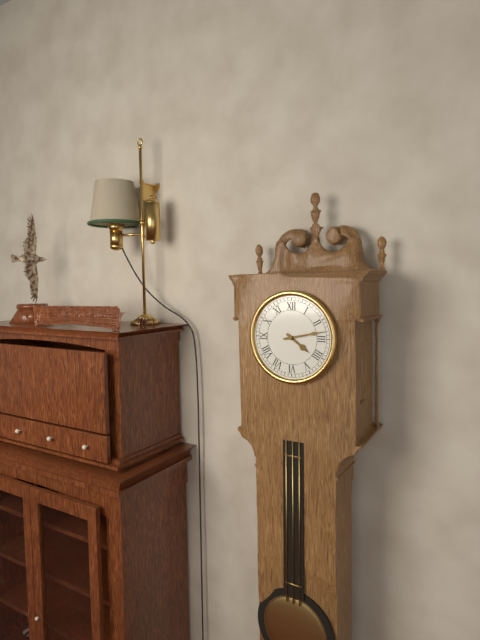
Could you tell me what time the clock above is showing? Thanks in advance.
4:13
